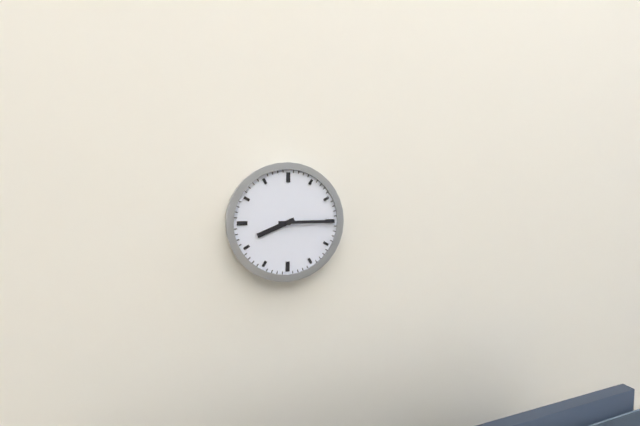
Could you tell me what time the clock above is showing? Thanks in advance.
8:15
